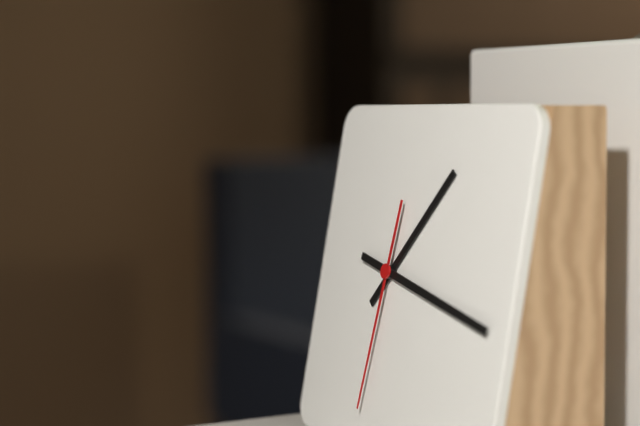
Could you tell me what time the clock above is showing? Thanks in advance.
1:17:31
